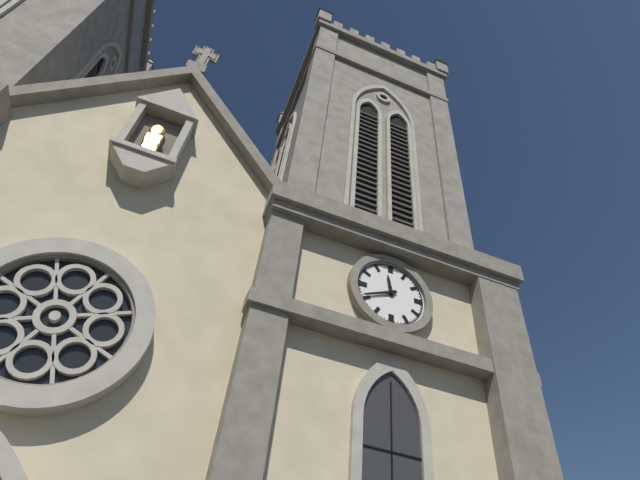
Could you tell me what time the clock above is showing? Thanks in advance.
11:41
